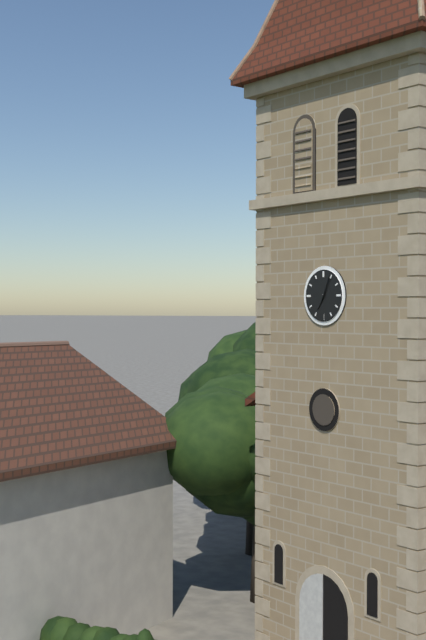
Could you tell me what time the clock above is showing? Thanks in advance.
7:04
